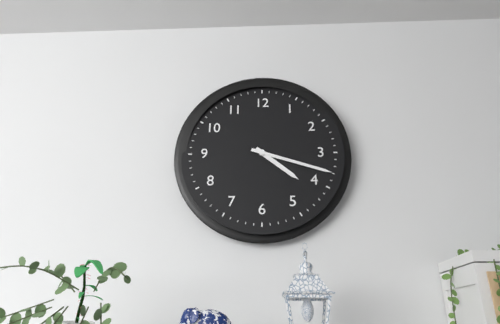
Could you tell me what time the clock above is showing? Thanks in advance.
4:18
